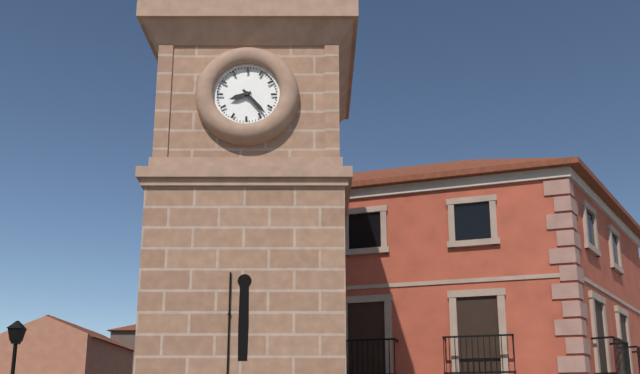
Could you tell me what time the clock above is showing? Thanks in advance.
8:23
